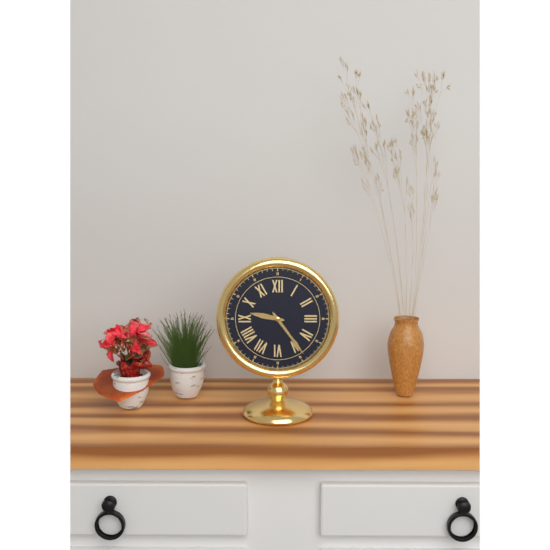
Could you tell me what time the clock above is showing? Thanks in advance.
9:24
